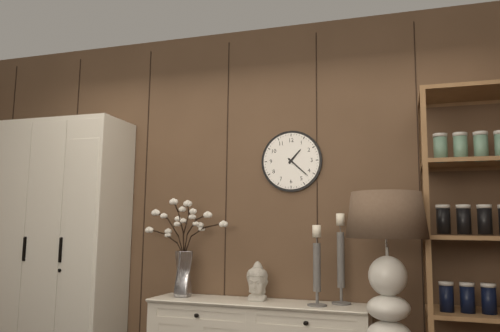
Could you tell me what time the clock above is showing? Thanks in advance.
1:22
